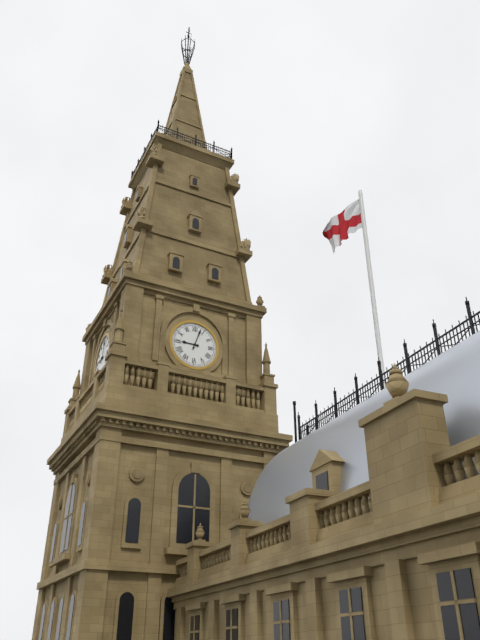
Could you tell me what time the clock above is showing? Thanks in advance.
9:03
